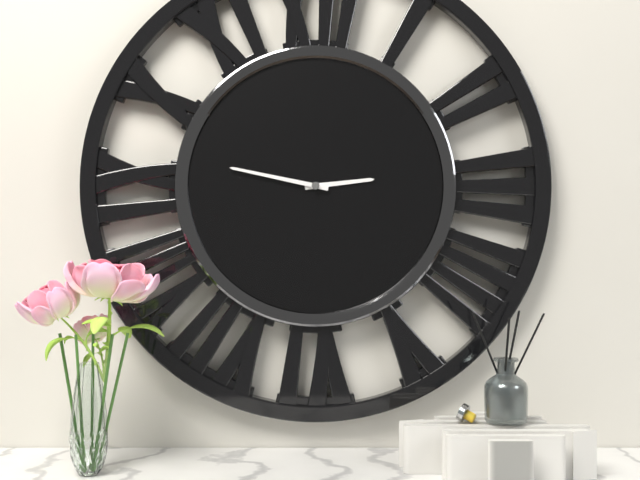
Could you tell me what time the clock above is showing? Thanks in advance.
2:47
